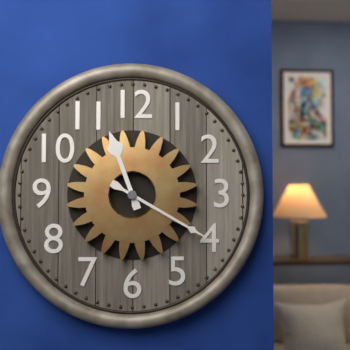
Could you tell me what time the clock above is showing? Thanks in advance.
11:20
